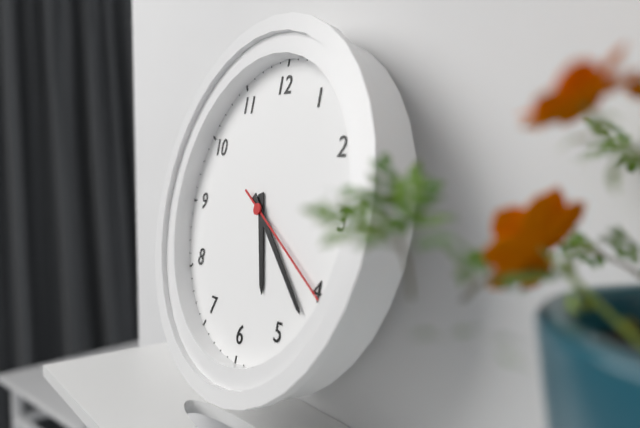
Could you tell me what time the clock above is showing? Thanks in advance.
5:22:20
